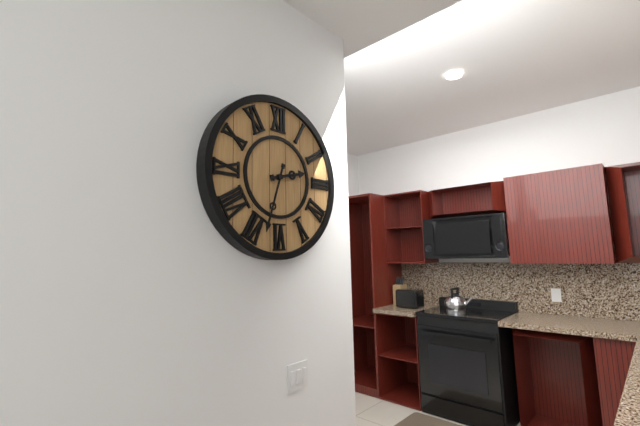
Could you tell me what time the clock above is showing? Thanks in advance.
2:33
